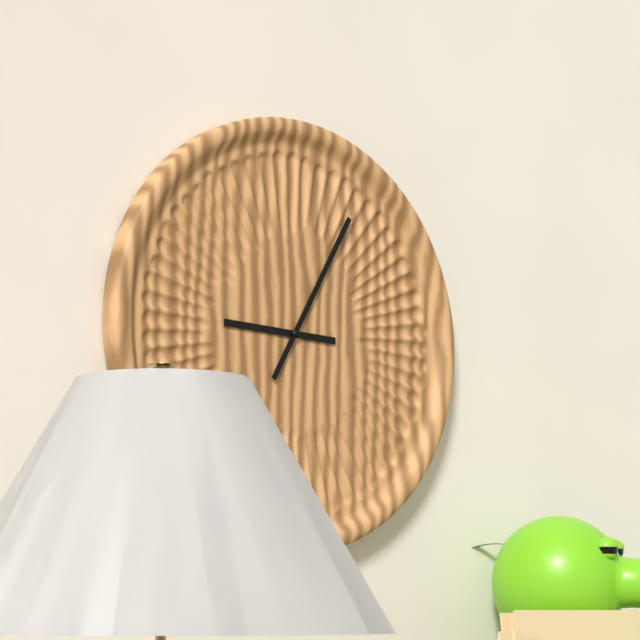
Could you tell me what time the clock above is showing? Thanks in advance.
9:05
